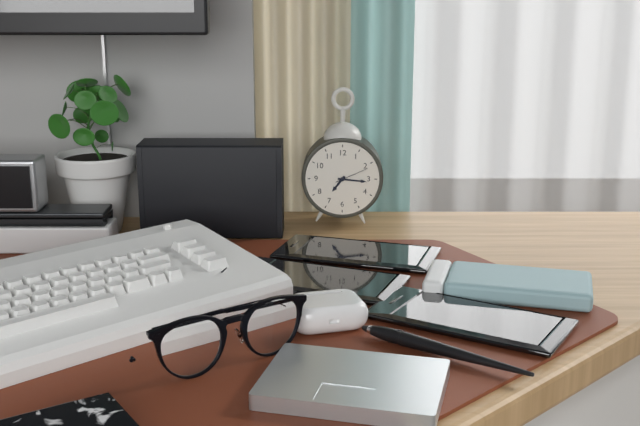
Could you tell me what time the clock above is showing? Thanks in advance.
7:16
